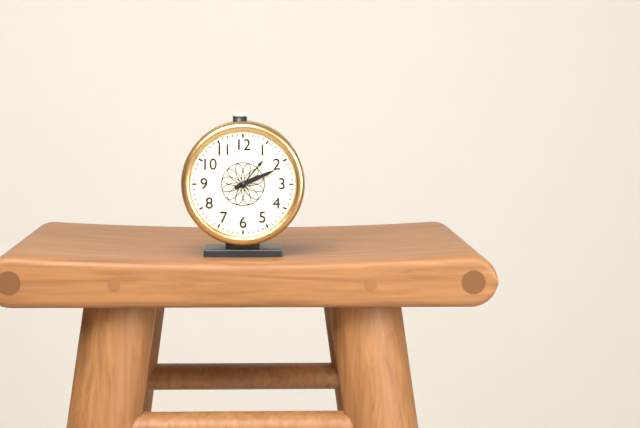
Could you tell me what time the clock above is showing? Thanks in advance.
2:11
